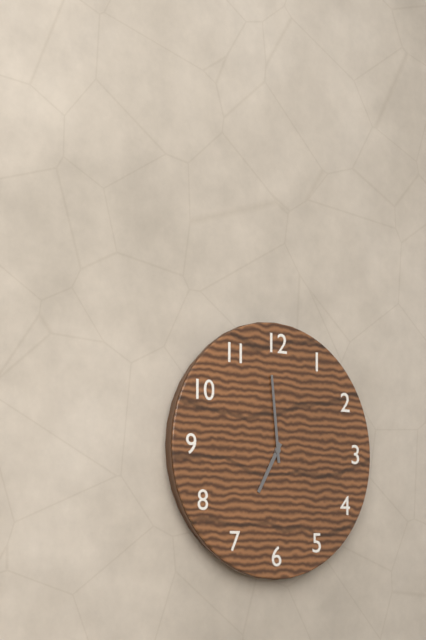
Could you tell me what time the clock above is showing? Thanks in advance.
6:59
